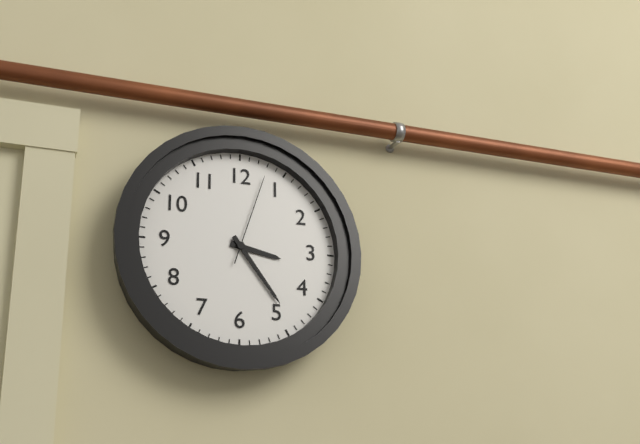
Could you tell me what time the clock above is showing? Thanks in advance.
3:24:03
